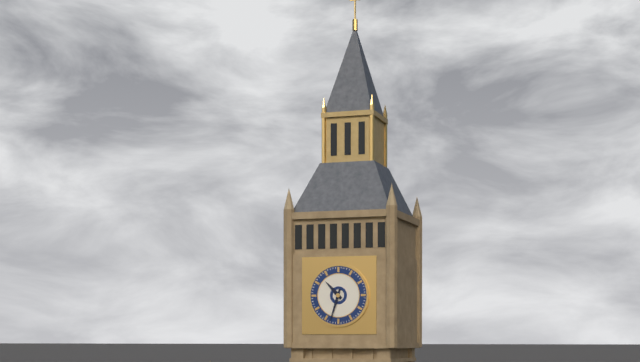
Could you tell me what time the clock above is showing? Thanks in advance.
10:33
